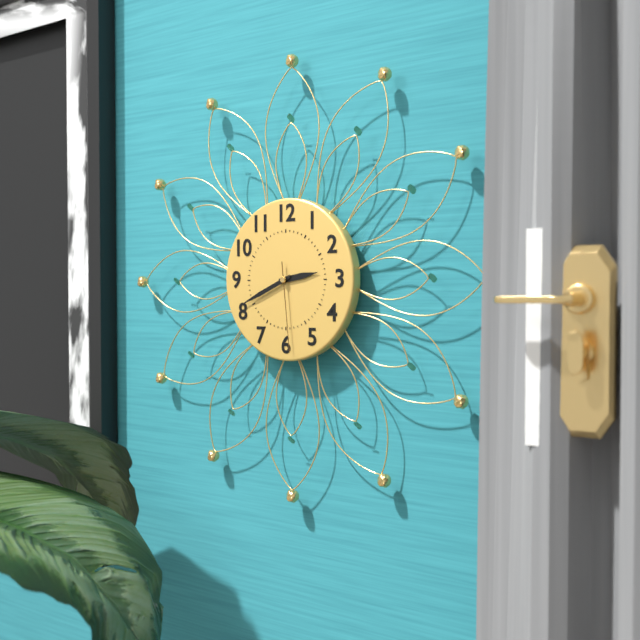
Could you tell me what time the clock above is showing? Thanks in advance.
2:41:29
